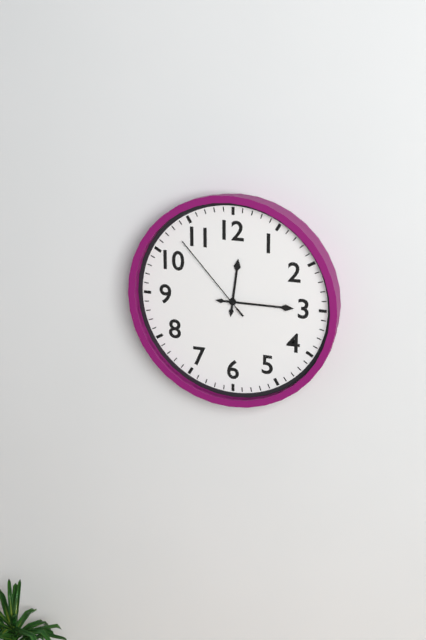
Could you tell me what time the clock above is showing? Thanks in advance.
12:15:53
